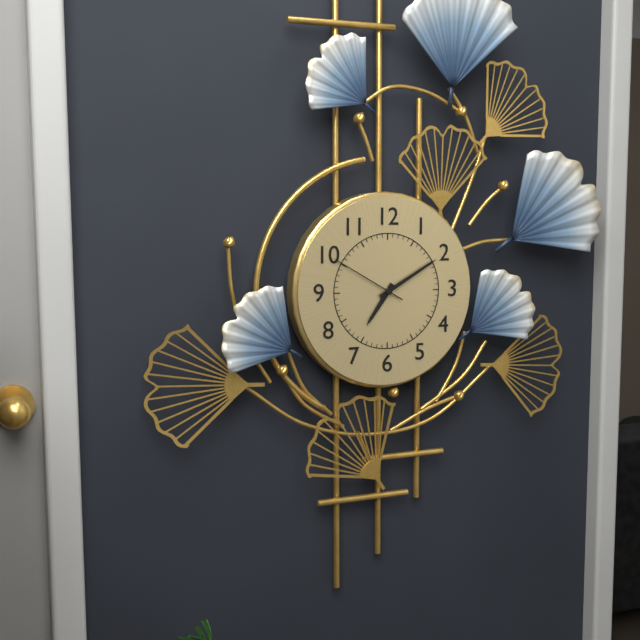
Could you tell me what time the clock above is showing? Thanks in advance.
7:10:50
